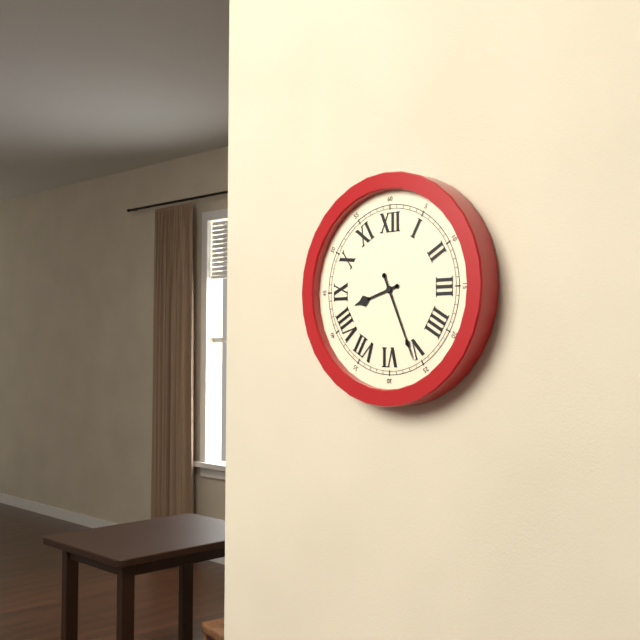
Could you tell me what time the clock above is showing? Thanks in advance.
8:26
